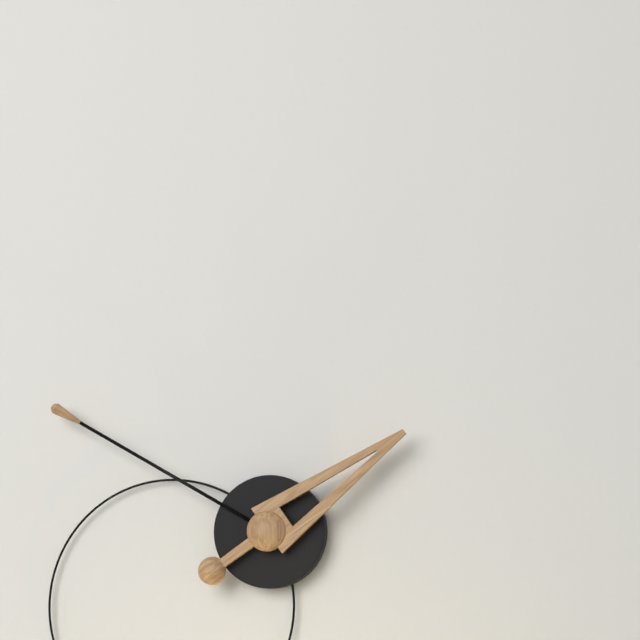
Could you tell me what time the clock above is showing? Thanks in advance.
1:50
